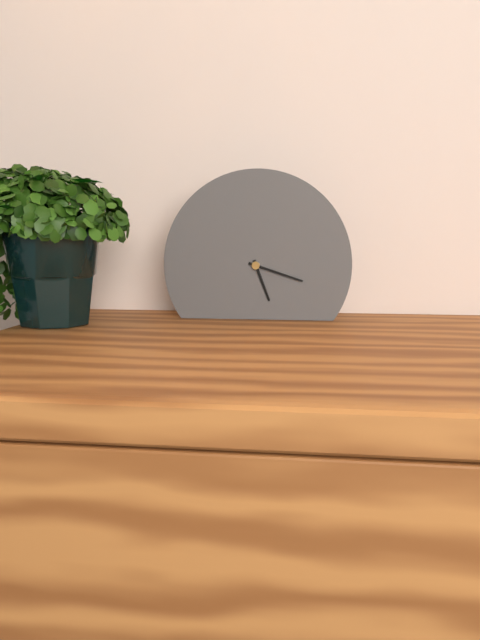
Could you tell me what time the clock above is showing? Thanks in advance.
5:18
